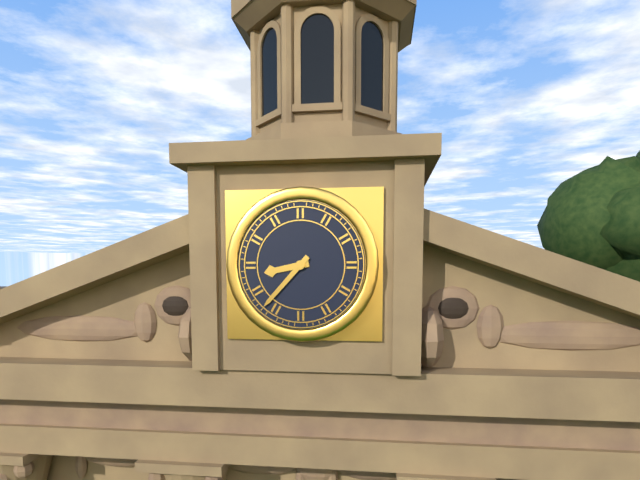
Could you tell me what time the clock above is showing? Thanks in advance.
8:37
